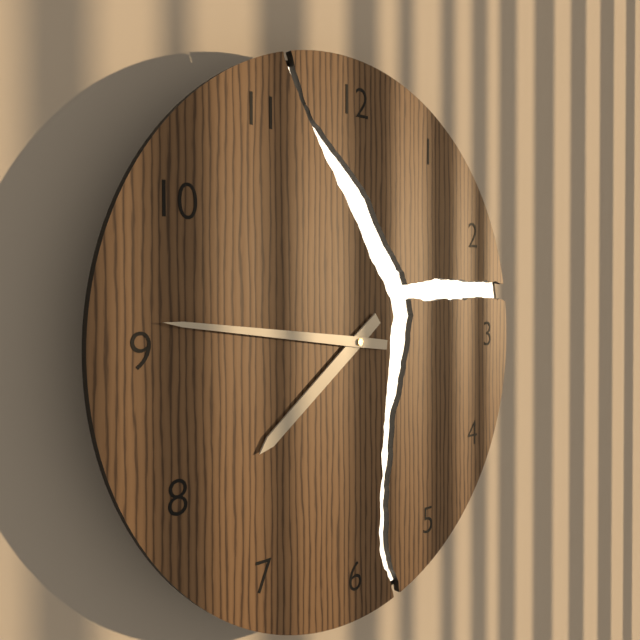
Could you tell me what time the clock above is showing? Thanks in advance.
7:46
